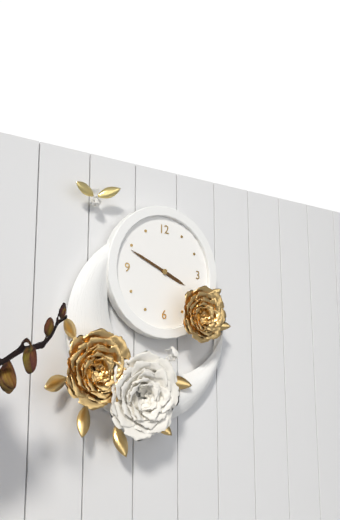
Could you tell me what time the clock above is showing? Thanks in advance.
3:49
